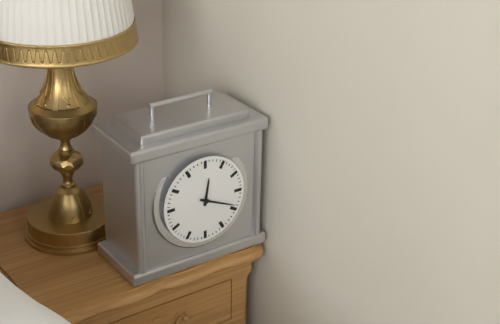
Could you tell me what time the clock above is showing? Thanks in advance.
12:19
